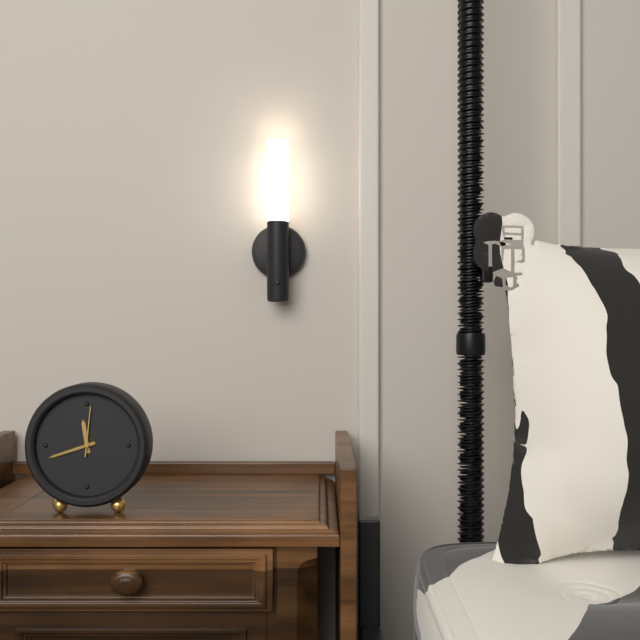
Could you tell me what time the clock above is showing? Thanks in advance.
11:42:01
